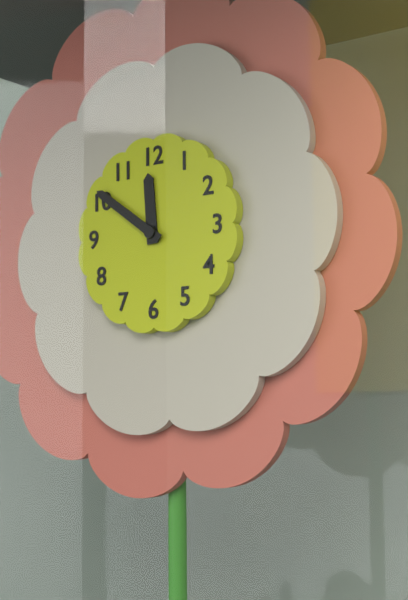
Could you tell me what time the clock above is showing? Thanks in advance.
11:51
